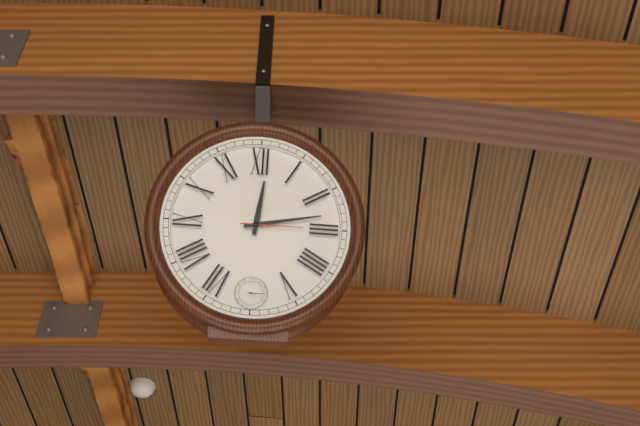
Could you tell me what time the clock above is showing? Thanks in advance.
12:13:15
